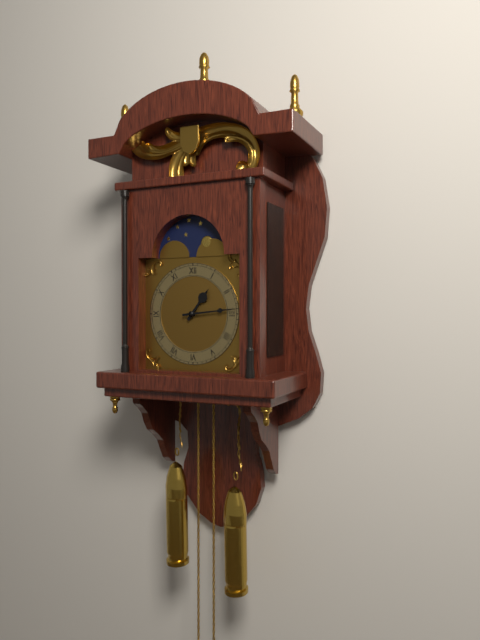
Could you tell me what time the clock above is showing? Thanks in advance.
1:14
